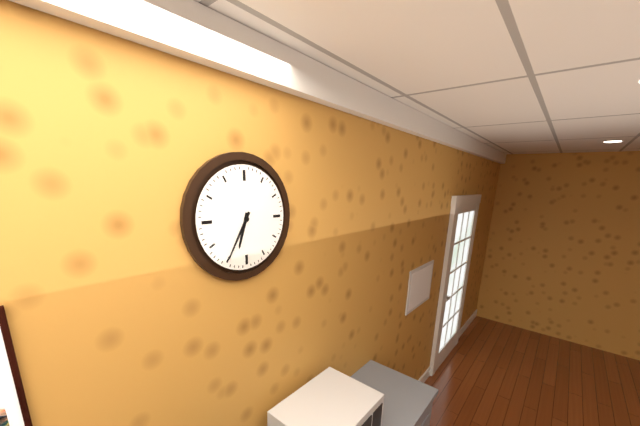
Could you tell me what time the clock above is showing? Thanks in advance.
6:35
